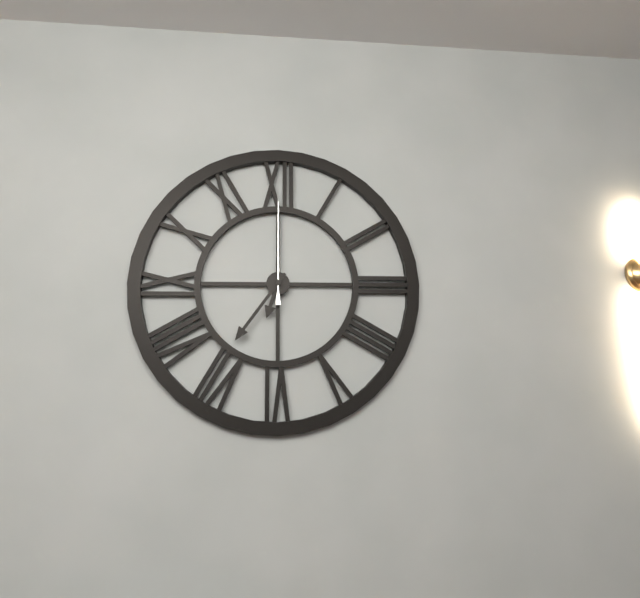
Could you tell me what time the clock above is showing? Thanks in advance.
6:36:00
